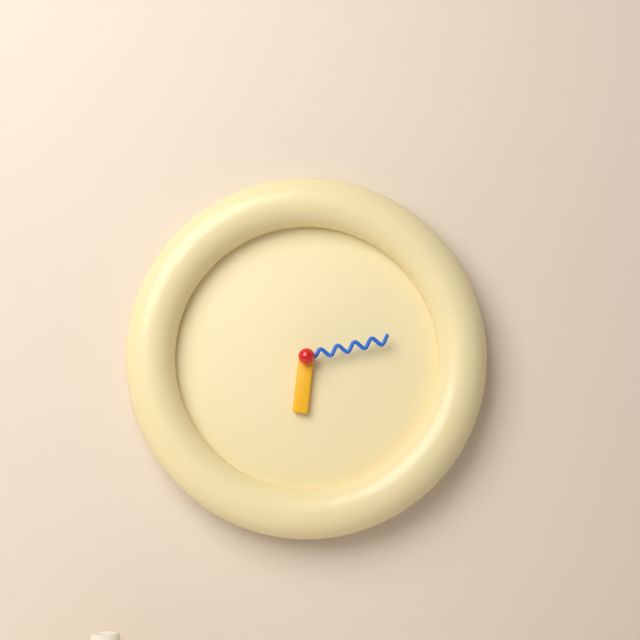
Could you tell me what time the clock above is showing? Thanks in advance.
6:13
